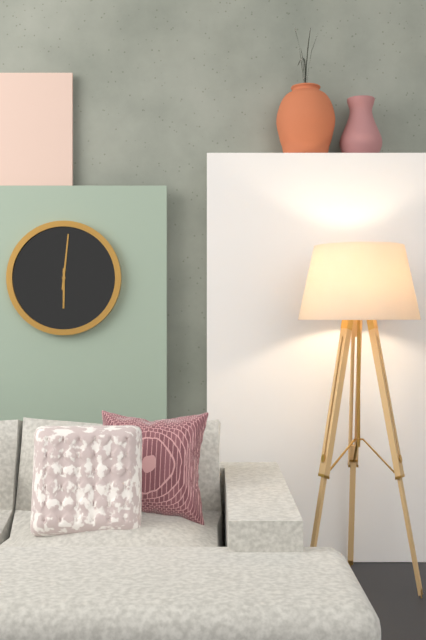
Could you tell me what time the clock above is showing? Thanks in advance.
6:01
